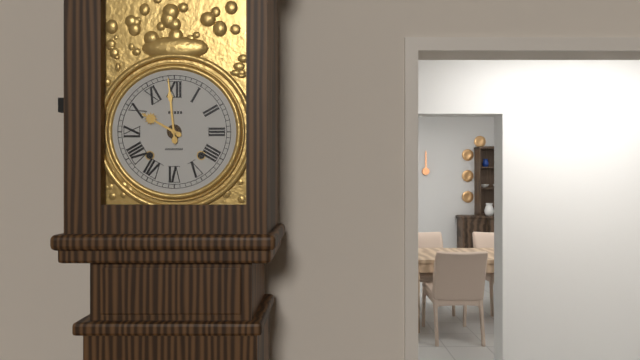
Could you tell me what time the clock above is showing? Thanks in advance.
9:59
